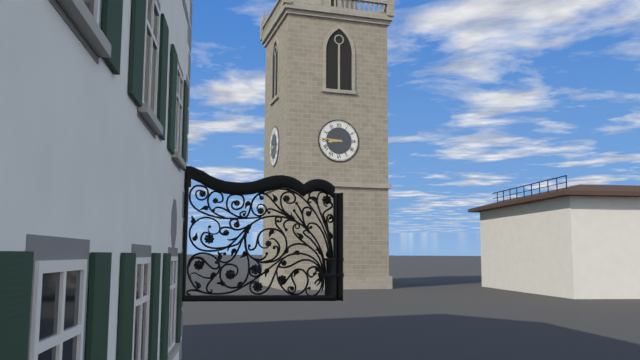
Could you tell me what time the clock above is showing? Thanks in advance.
8:46
